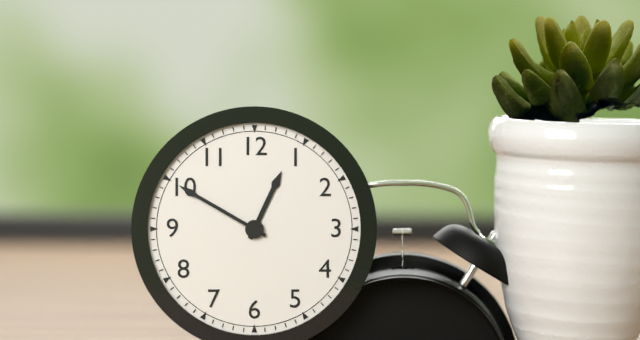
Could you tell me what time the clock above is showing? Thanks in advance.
12:50
